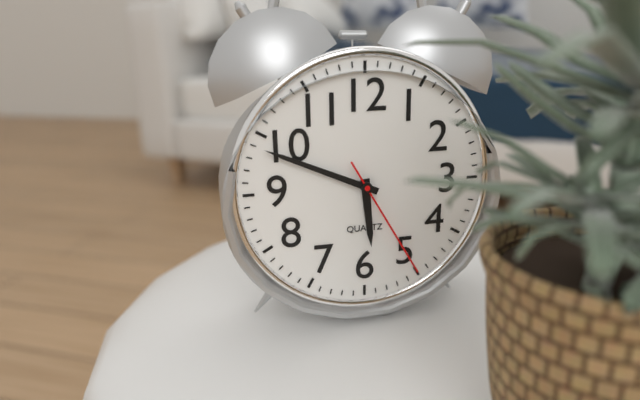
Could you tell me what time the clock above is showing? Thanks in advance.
5:49:25
